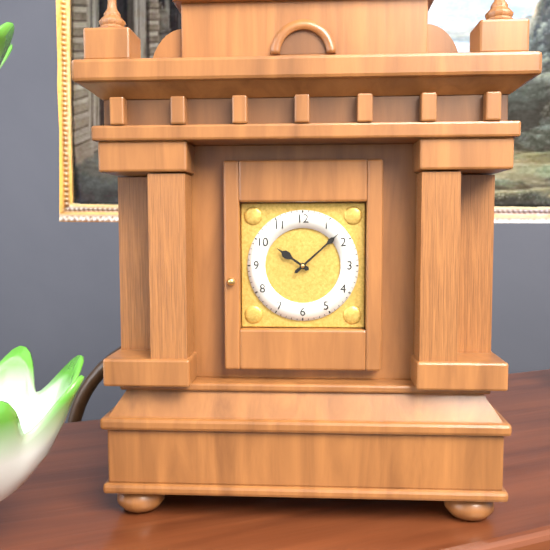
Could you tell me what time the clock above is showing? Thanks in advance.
10:08
